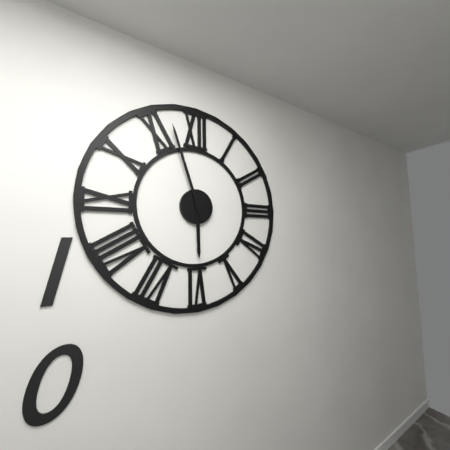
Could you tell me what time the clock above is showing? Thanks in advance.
5:57
